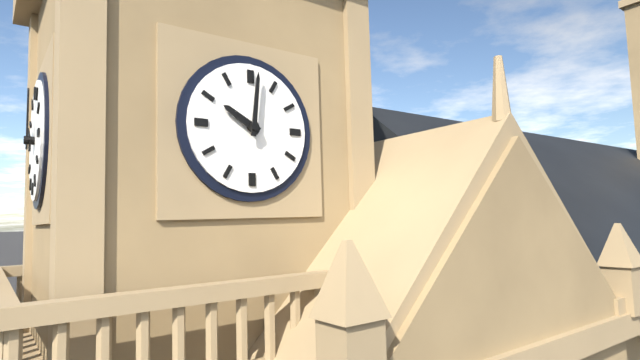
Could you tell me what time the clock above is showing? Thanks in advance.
10:01
